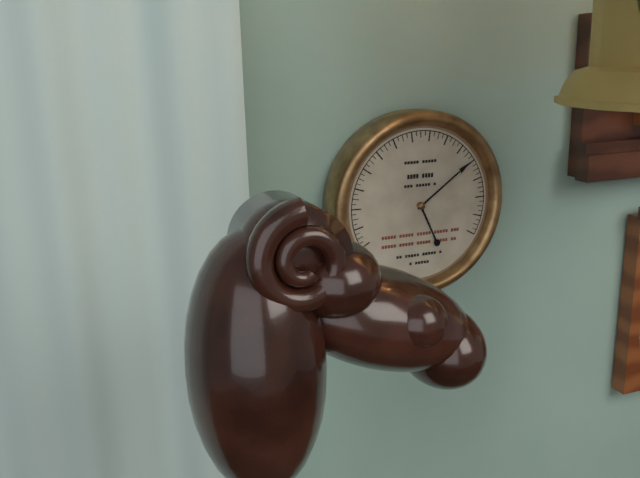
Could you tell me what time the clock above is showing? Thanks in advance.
5:09
